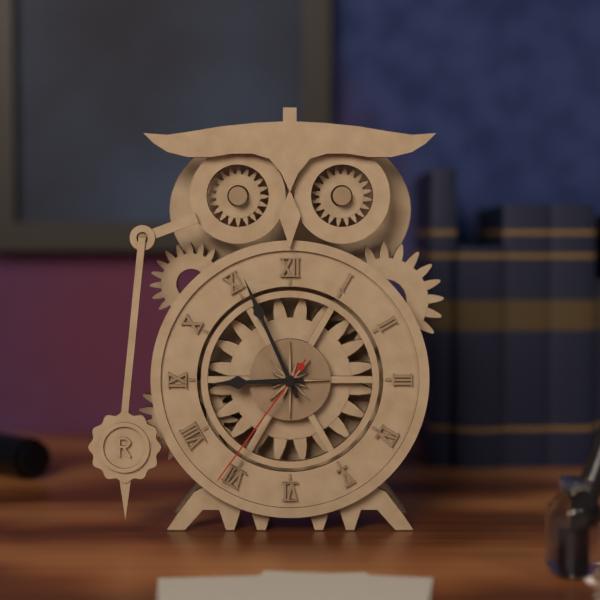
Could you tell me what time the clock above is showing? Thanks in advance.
8:56:36
